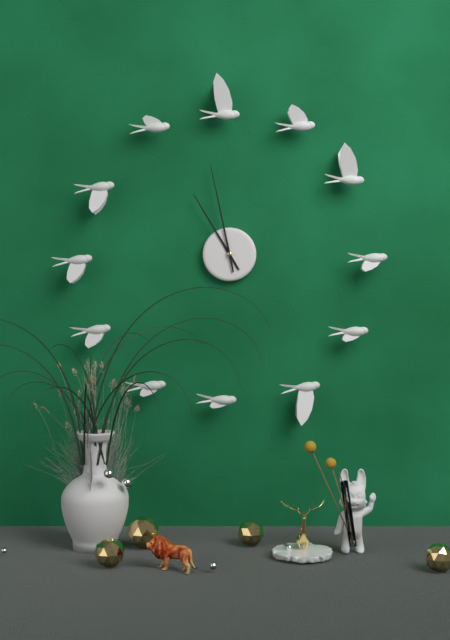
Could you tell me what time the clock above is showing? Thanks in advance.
10:58
